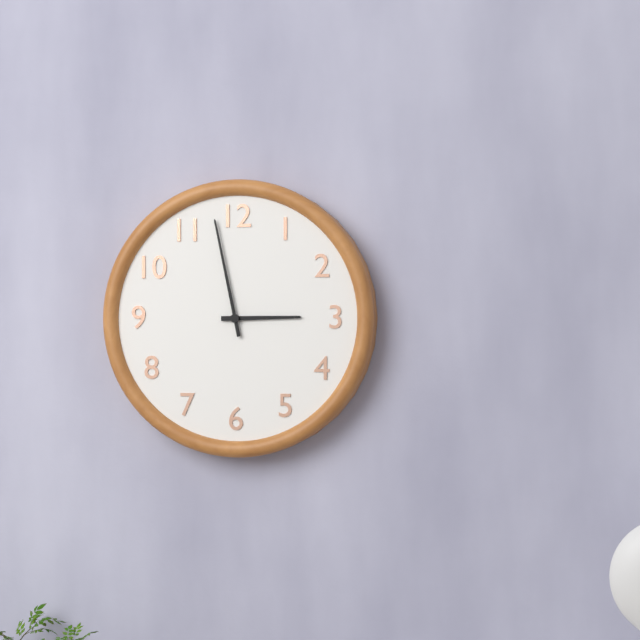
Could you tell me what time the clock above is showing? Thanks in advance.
2:58
